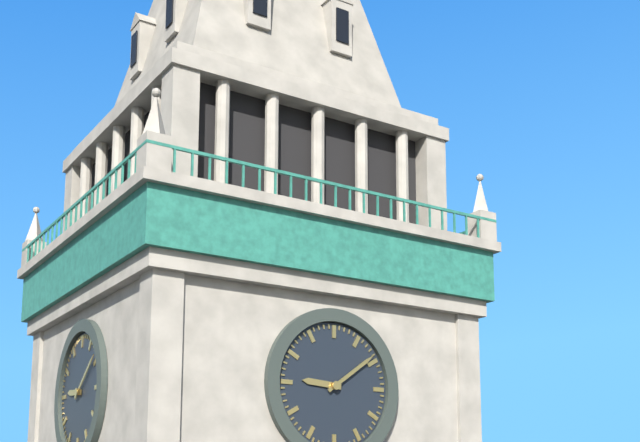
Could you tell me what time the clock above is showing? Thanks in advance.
9:09
